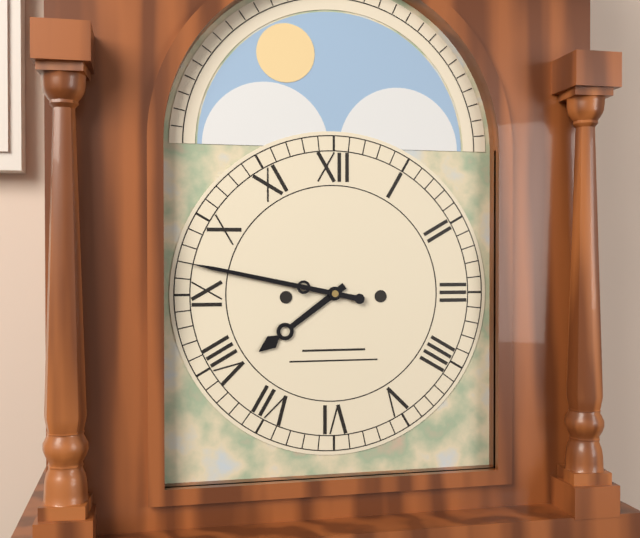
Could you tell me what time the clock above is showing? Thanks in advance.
7:47
